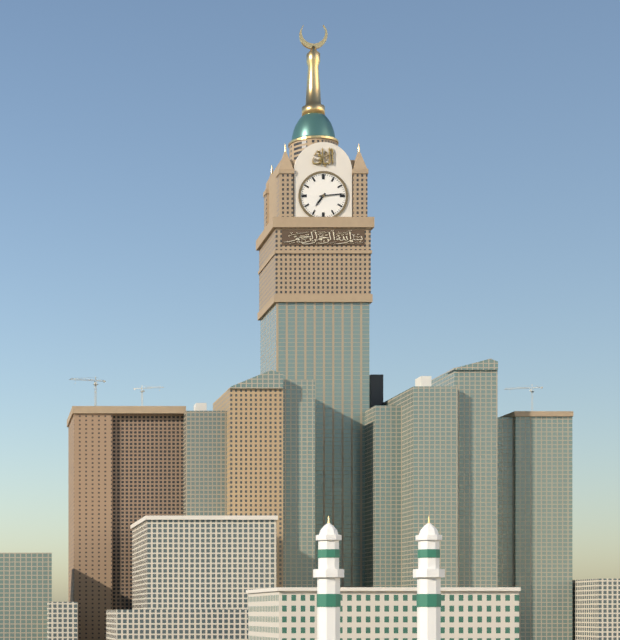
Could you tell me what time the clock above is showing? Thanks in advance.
7:14
